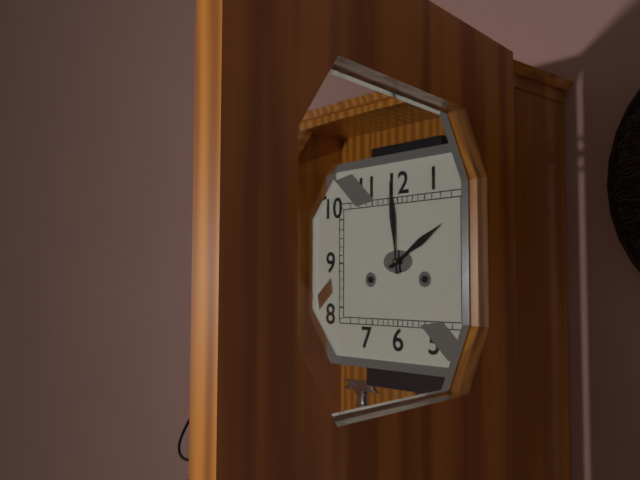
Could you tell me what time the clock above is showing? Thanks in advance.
1:59
